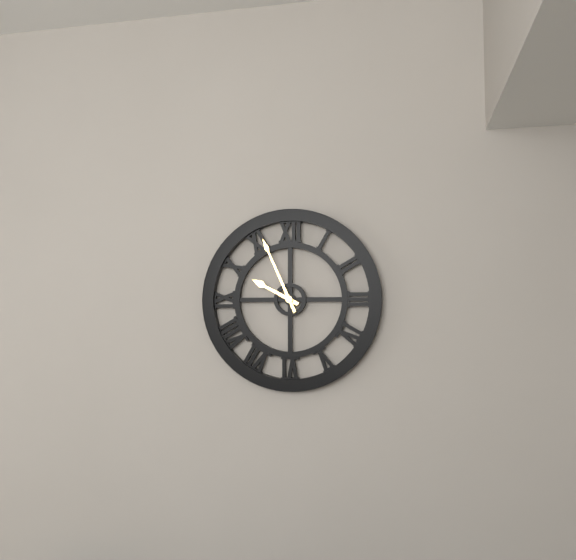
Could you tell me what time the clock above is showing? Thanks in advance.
9:56
